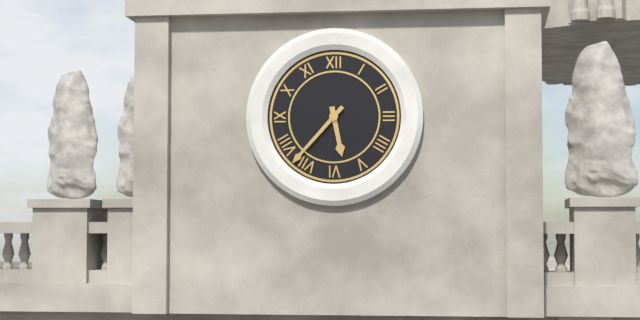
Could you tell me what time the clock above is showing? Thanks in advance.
5:37
